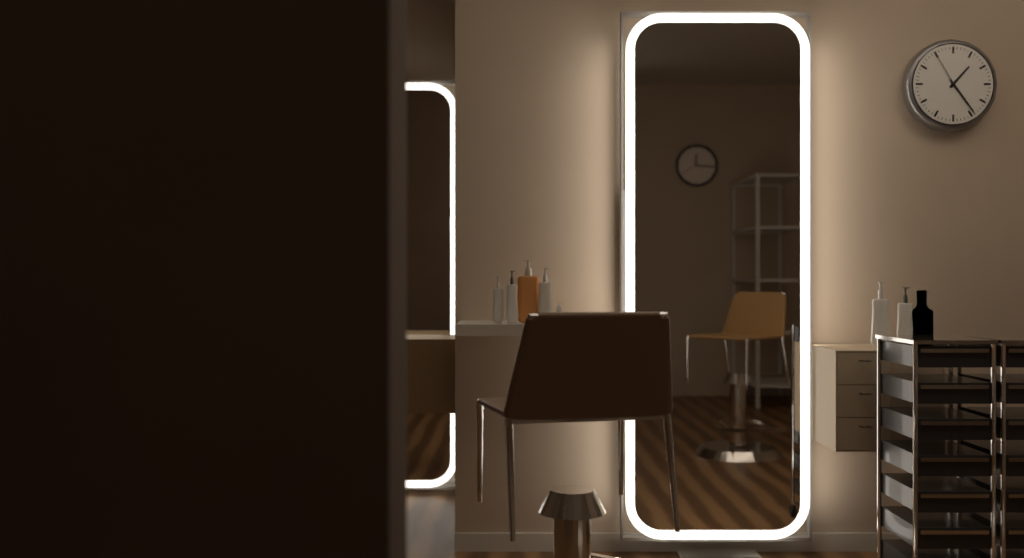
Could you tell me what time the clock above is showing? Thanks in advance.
1:24
